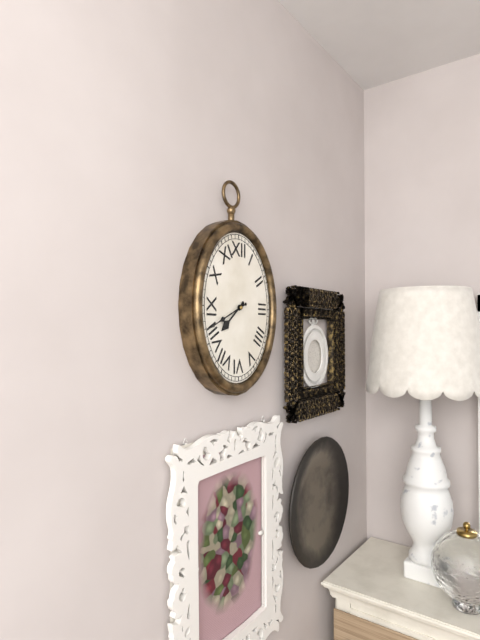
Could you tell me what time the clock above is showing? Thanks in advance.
7:41
